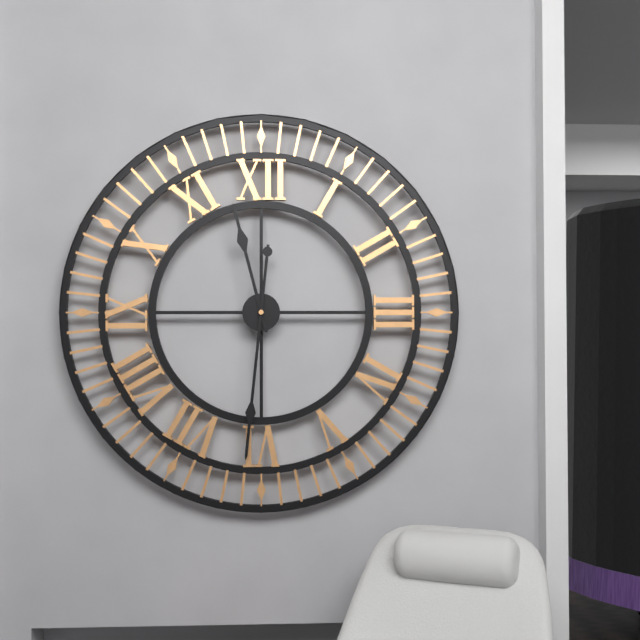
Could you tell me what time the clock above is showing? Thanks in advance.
11:31
